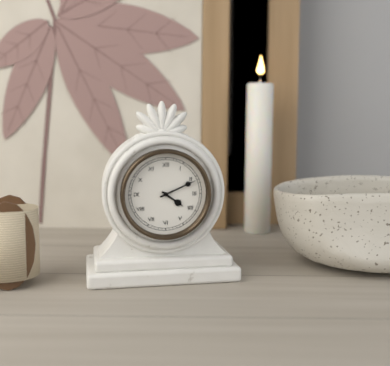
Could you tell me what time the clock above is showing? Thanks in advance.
4:11
